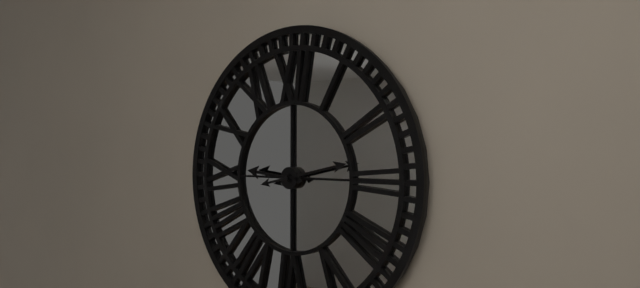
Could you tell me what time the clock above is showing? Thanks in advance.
9:13
